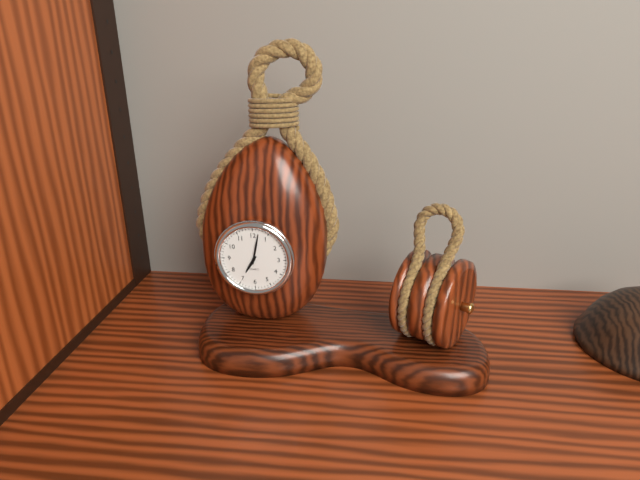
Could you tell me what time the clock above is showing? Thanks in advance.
7:02
